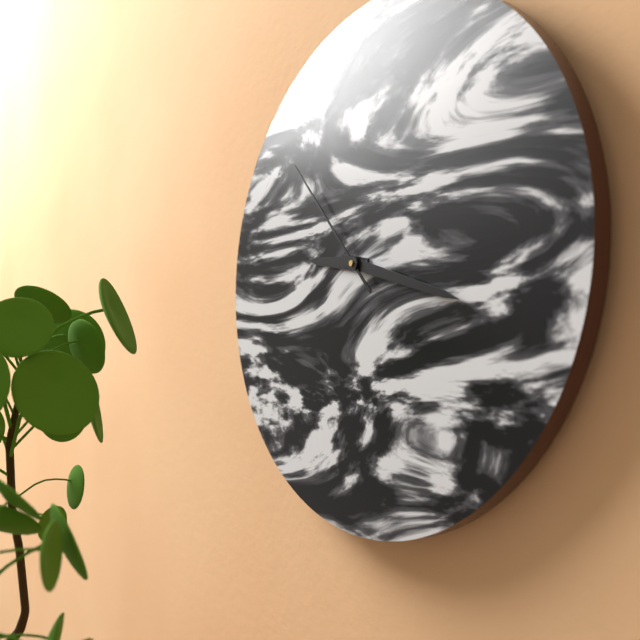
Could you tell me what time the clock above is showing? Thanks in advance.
9:18:53
